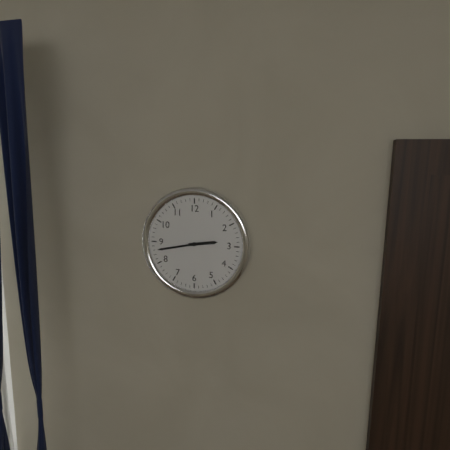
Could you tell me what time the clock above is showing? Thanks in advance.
2:43
